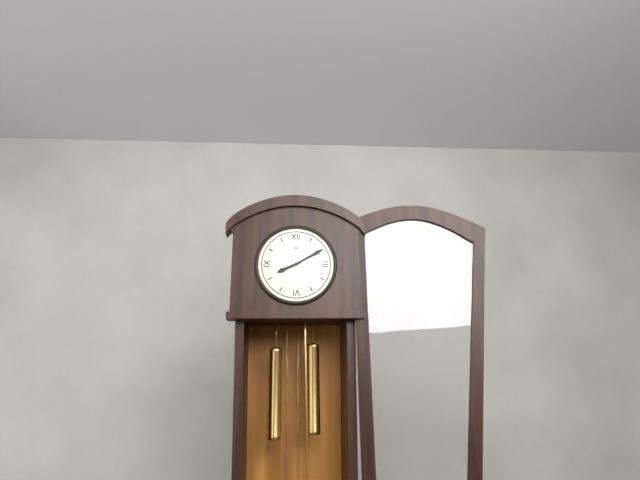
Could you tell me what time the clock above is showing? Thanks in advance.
8:10
